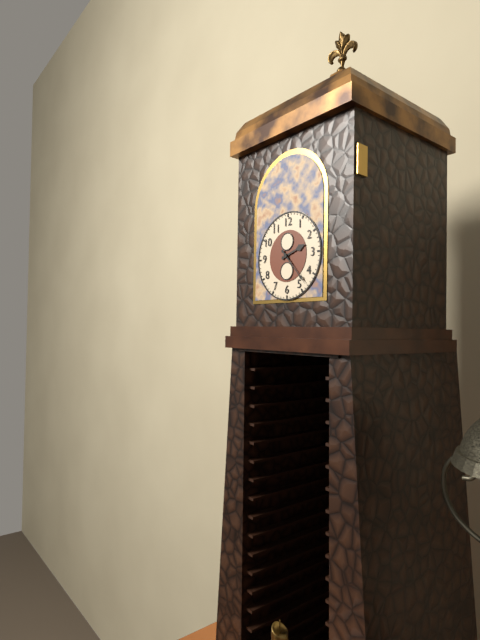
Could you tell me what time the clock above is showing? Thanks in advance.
2:23
